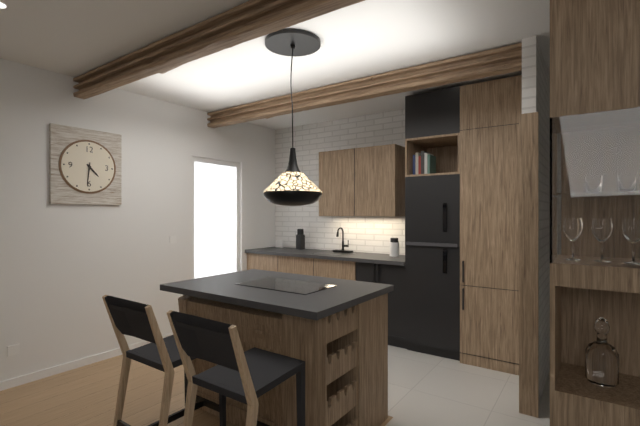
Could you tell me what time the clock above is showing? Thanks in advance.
4:31
